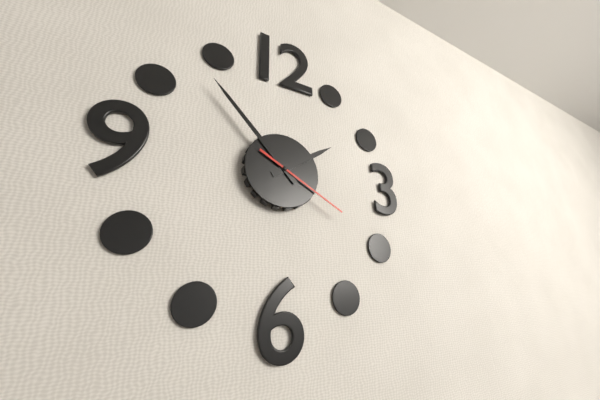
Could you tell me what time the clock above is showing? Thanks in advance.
1:53:20
